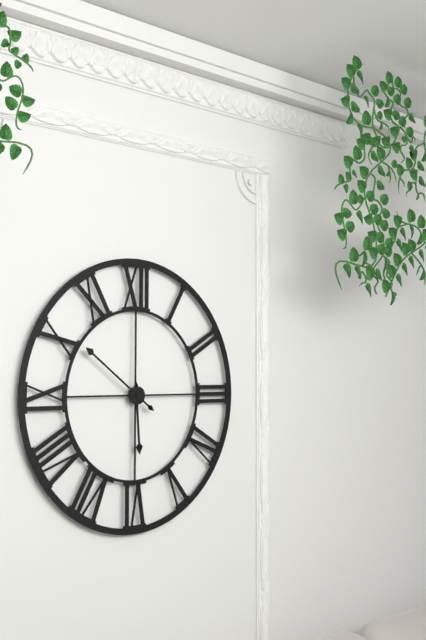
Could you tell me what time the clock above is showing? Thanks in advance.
5:51
